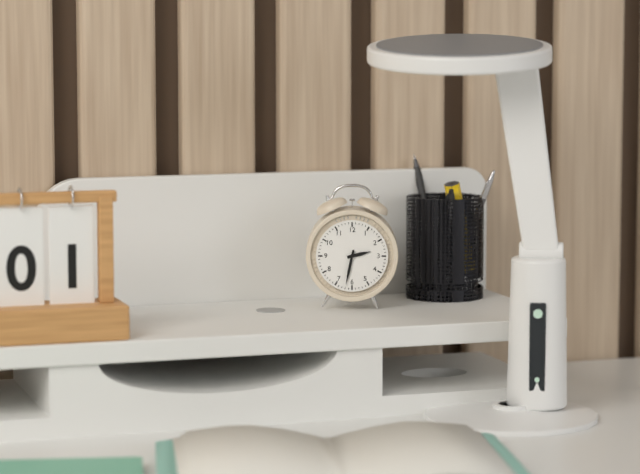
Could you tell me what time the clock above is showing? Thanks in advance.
2:32
